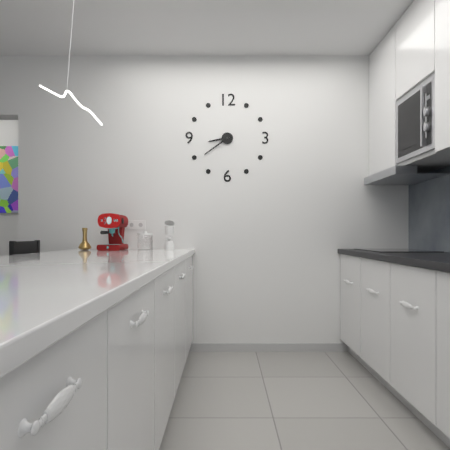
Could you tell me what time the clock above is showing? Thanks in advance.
8:39
